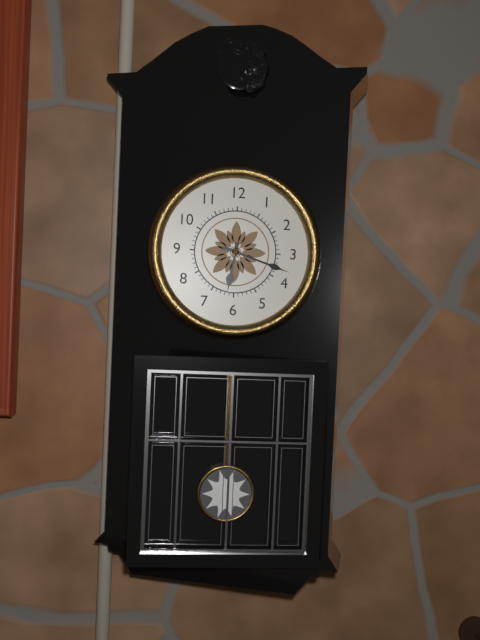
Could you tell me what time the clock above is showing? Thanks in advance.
6:18
